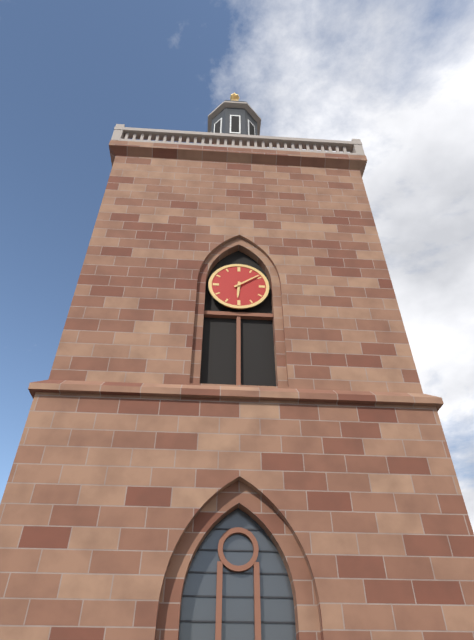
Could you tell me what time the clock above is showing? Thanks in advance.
6:09
